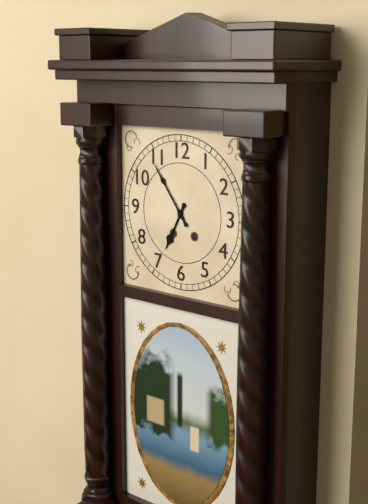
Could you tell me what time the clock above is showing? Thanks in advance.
6:54
